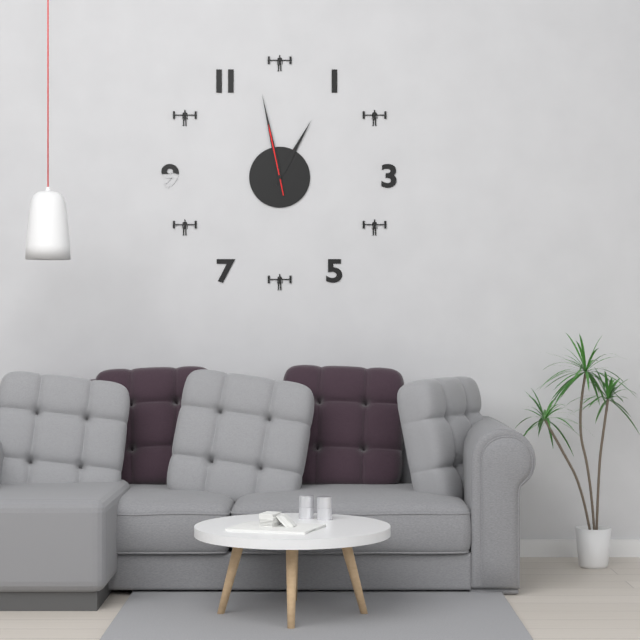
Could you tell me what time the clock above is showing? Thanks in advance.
12:58:58
